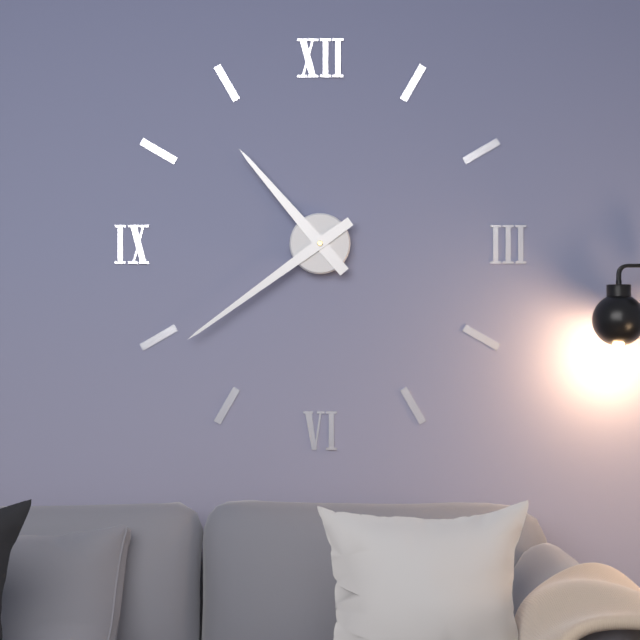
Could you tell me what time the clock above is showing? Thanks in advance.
10:39
